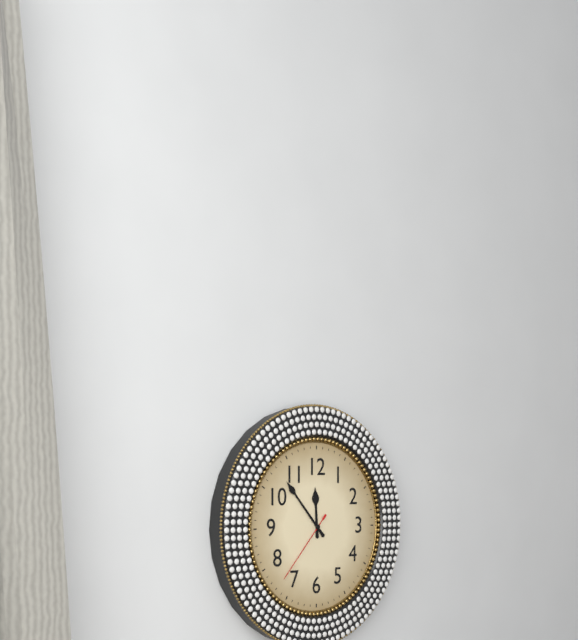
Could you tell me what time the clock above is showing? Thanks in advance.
11:53:37
